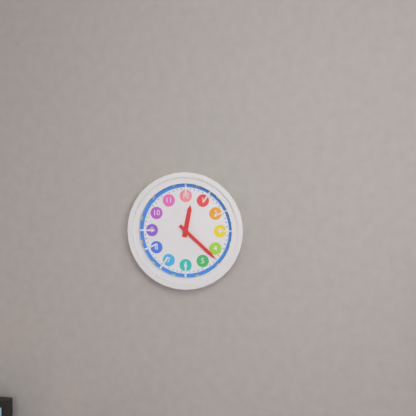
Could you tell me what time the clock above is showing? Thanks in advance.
12:22
